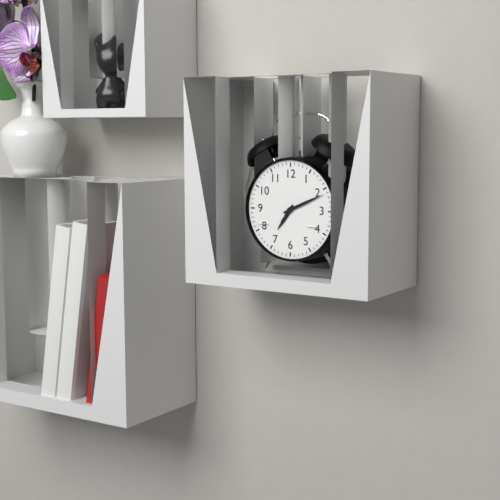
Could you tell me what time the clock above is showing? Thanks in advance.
7:11
